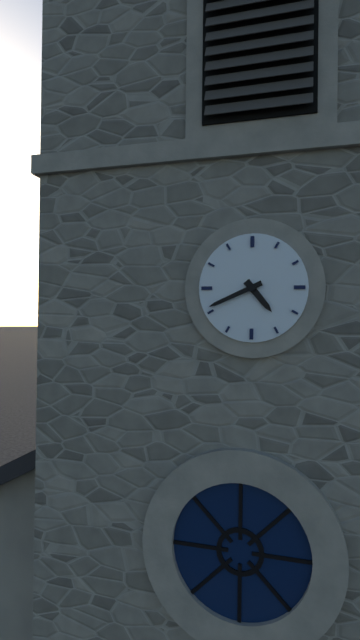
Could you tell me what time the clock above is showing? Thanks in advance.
4:41
